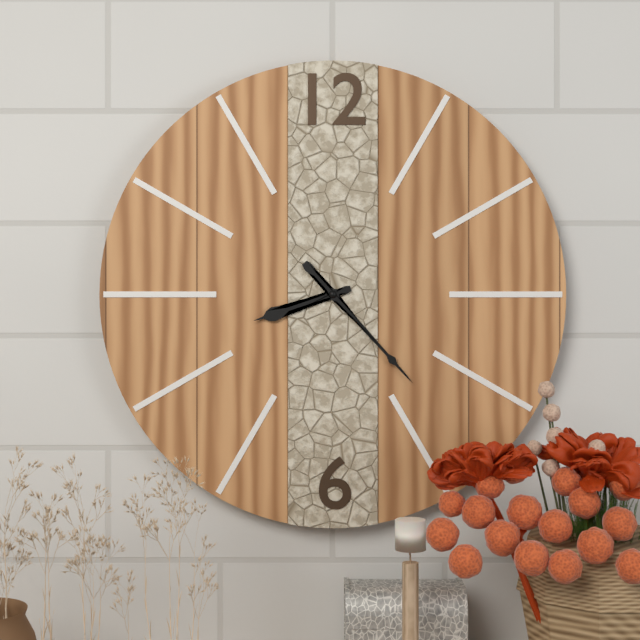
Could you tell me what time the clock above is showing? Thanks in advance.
8:23
